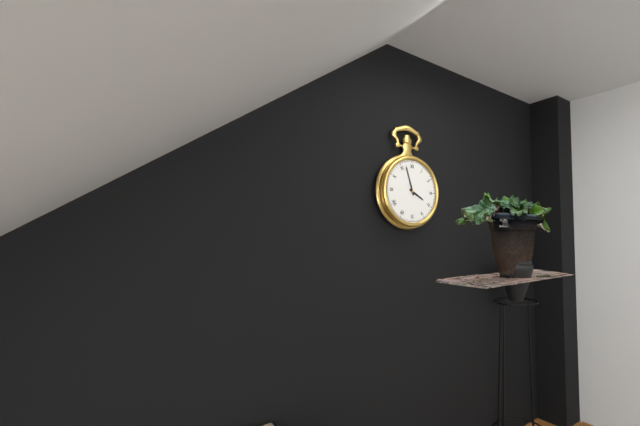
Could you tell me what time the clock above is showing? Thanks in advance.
3:57
